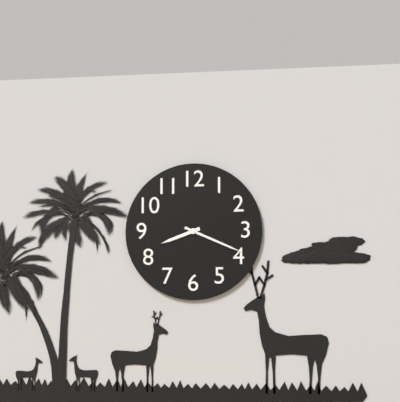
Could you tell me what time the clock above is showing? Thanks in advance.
8:19
